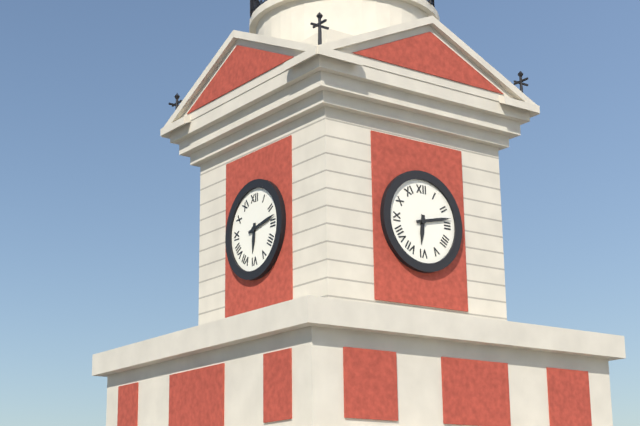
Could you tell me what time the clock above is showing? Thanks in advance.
6:13
